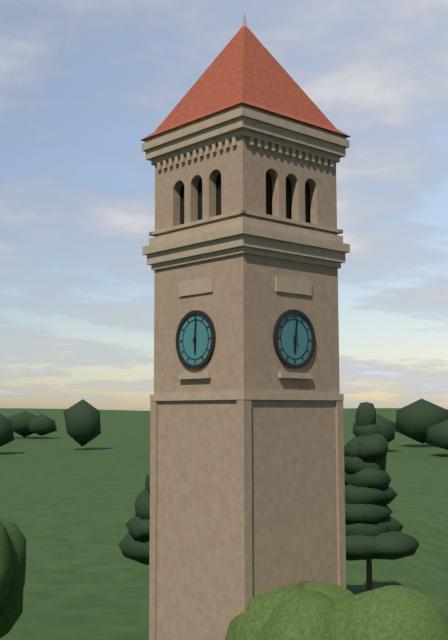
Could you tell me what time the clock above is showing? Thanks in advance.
6:01
